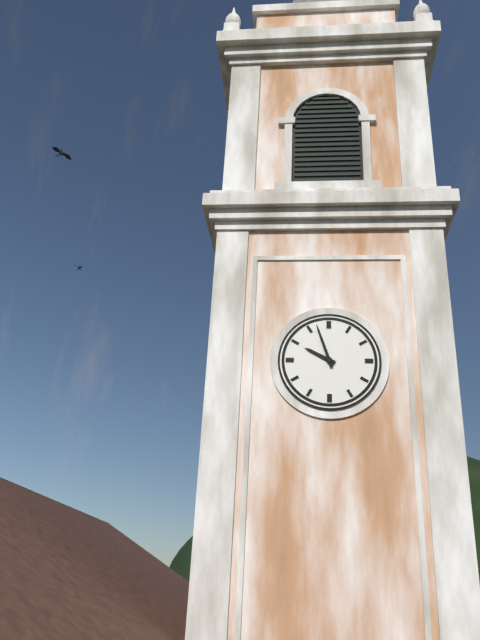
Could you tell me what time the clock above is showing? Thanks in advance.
9:57
